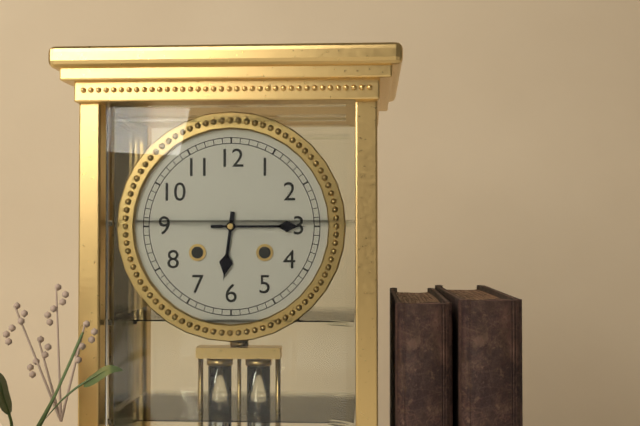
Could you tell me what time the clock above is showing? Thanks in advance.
6:15
